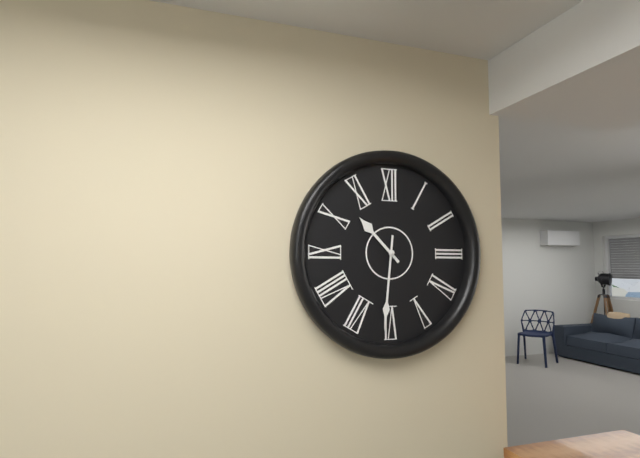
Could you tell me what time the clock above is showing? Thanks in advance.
10:31
